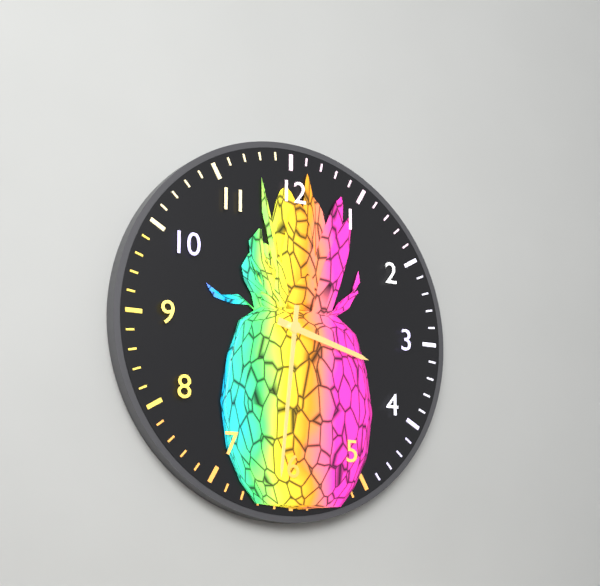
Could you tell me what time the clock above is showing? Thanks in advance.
3:31
